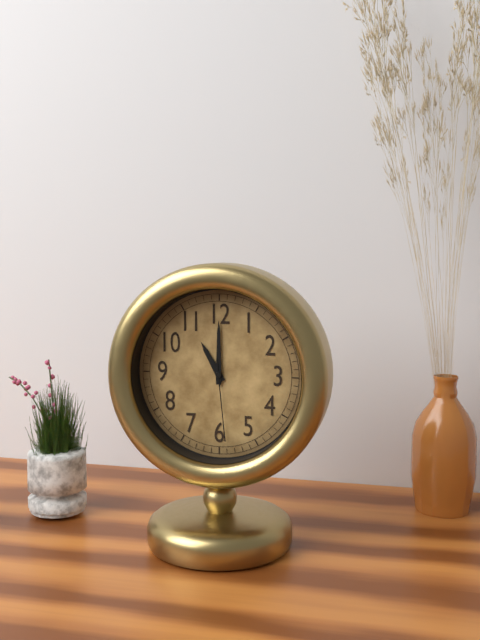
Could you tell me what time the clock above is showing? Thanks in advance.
11:00:29
